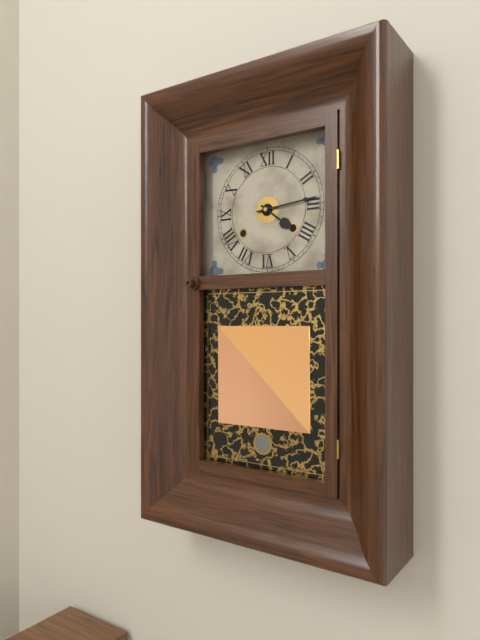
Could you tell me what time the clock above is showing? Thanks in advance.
4:14
